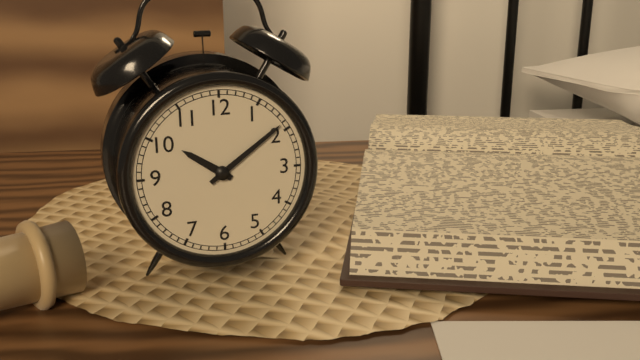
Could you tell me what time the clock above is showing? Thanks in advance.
10:09
